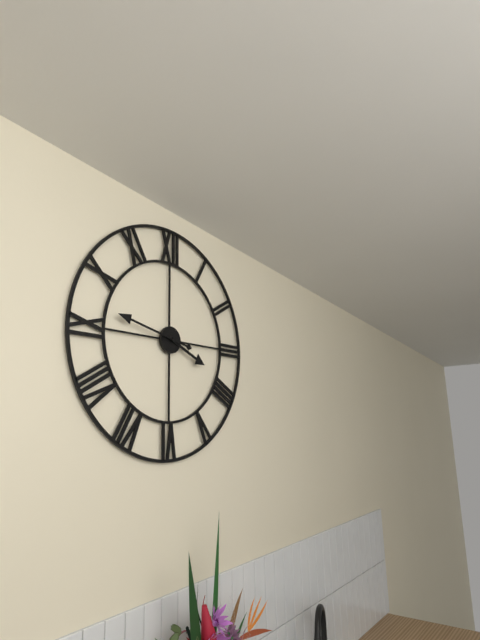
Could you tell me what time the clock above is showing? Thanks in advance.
3:47
